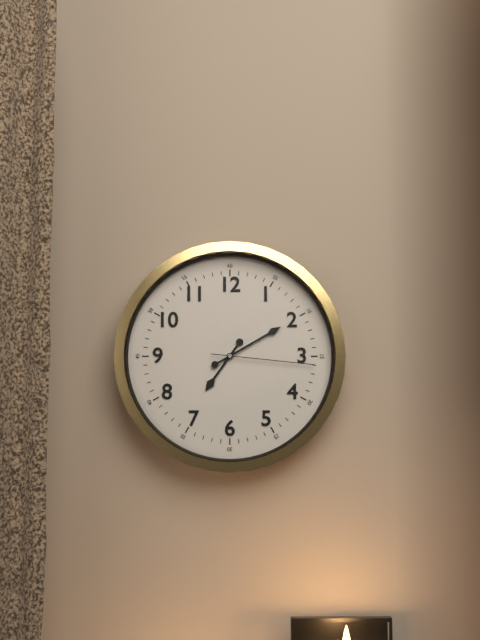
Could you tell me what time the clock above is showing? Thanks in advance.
7:10:16
